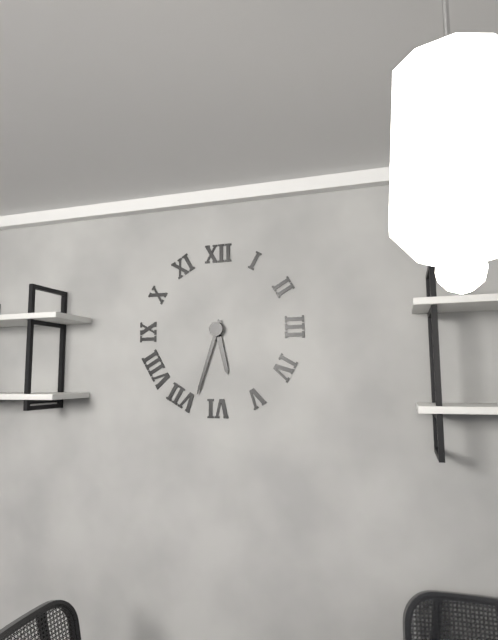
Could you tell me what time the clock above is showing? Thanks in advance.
5:33
